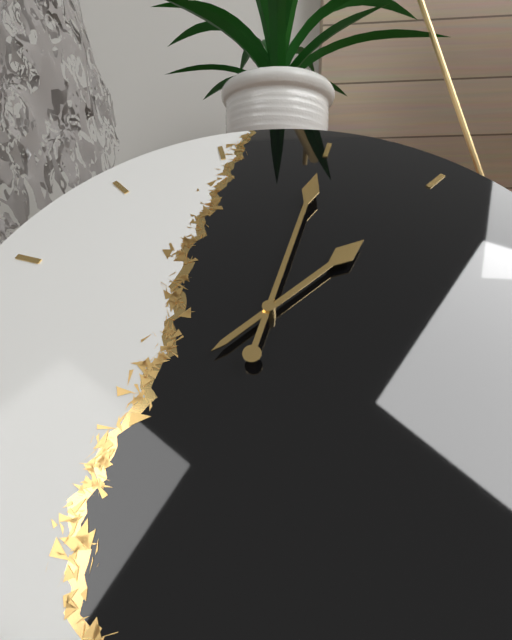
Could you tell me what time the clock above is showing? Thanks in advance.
2:05
